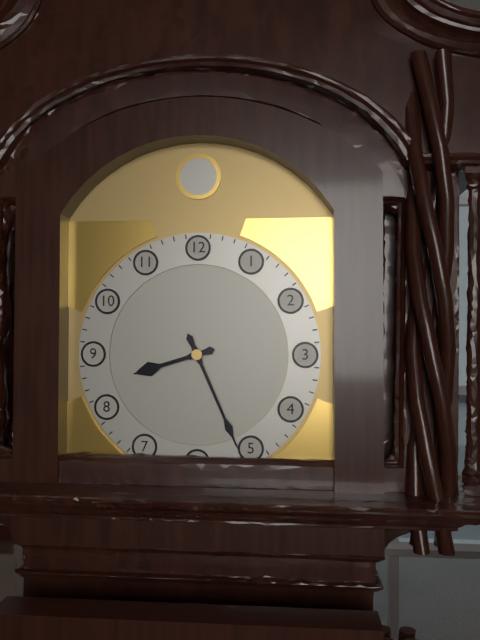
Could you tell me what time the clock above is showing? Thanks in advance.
8:26
